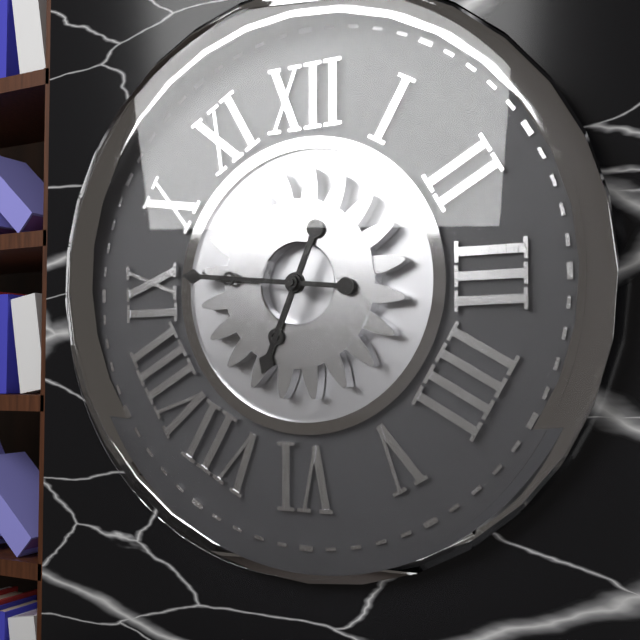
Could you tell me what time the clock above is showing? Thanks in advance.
6:46
